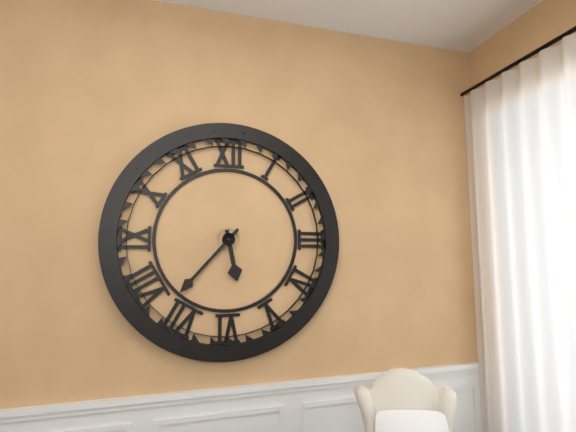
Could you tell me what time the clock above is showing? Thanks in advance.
5:37
